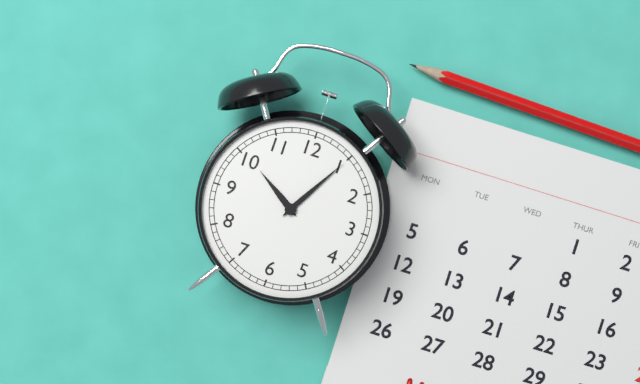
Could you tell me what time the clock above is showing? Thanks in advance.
10:05
